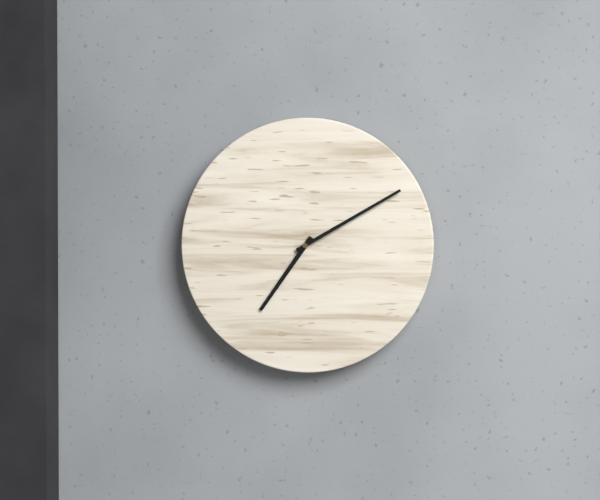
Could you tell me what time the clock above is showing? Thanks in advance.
7:10
